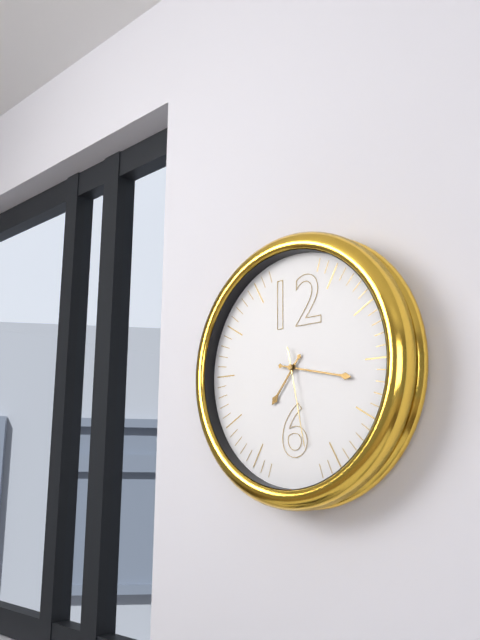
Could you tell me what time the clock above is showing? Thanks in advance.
7:17:28
